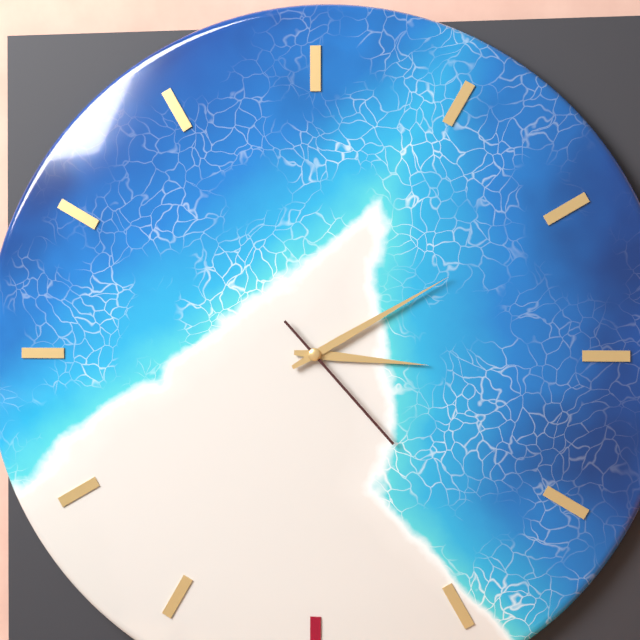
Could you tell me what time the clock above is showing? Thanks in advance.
3:10:23
